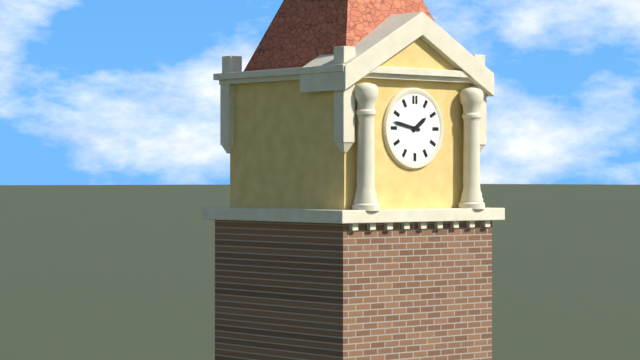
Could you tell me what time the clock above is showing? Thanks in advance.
1:47
